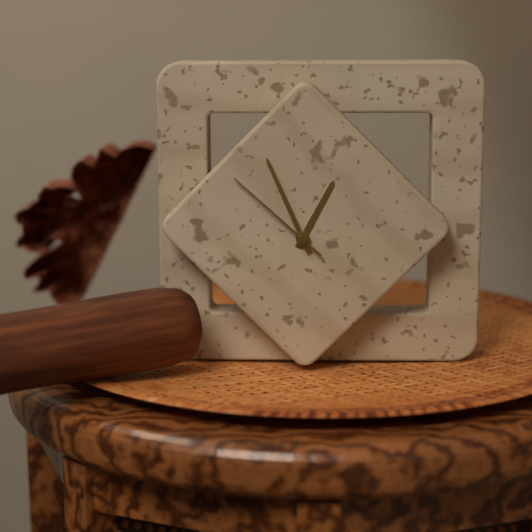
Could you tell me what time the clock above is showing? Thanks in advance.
12:56:52
